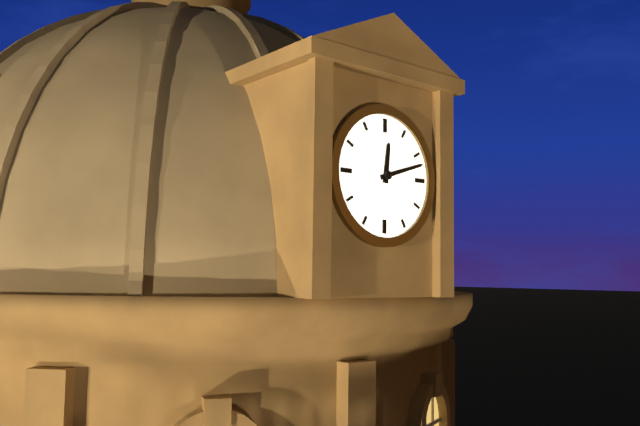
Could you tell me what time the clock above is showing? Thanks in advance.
12:12
